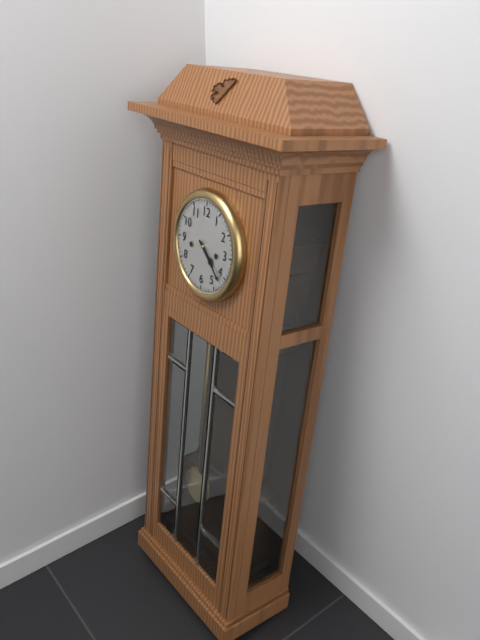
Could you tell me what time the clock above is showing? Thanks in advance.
4:22
